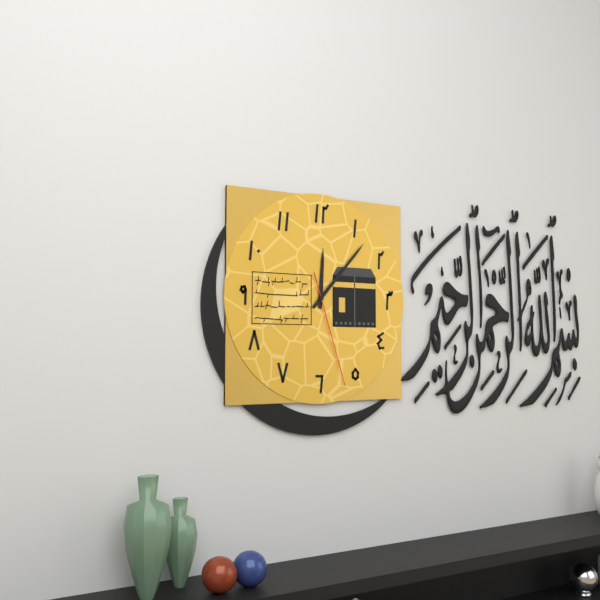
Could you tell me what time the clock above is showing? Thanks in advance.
12:07:27
